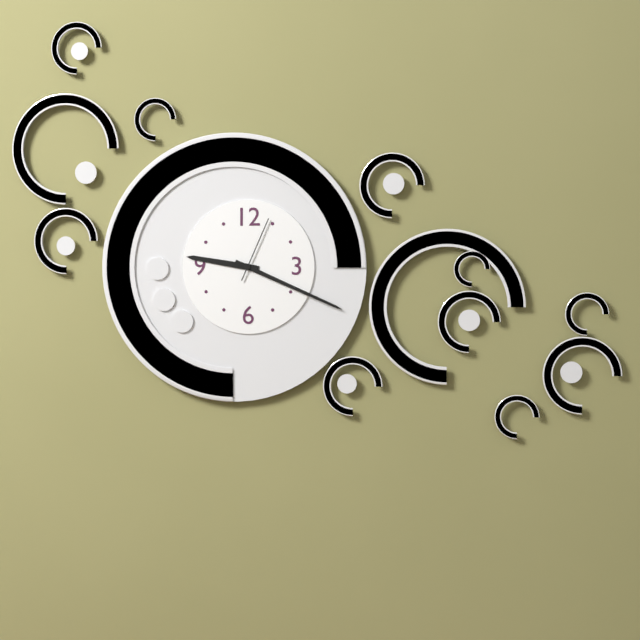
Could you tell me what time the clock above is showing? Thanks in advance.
9:19:04
